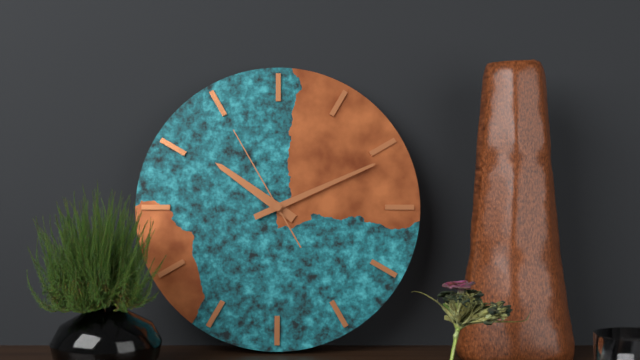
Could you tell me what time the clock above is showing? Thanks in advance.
10:11:55
